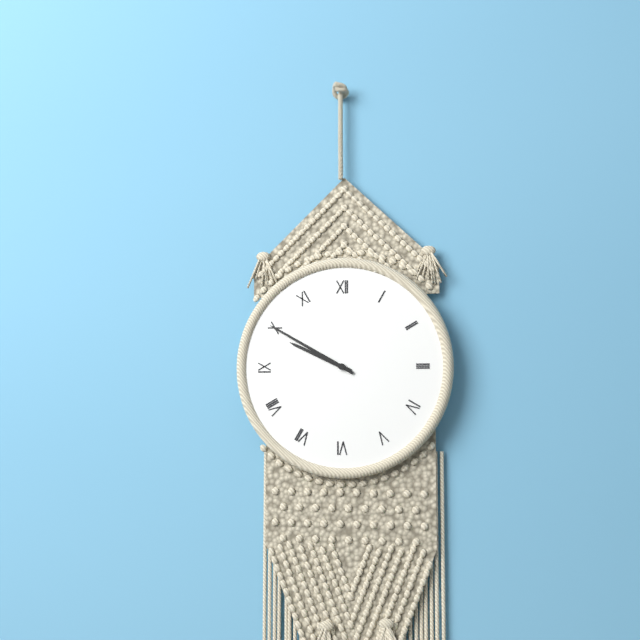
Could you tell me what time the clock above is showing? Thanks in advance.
9:50
